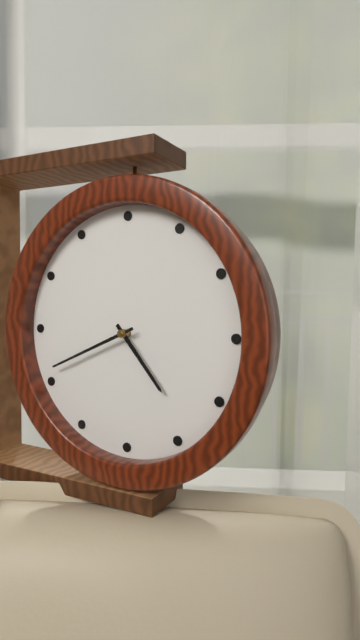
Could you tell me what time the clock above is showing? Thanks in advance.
4:41
